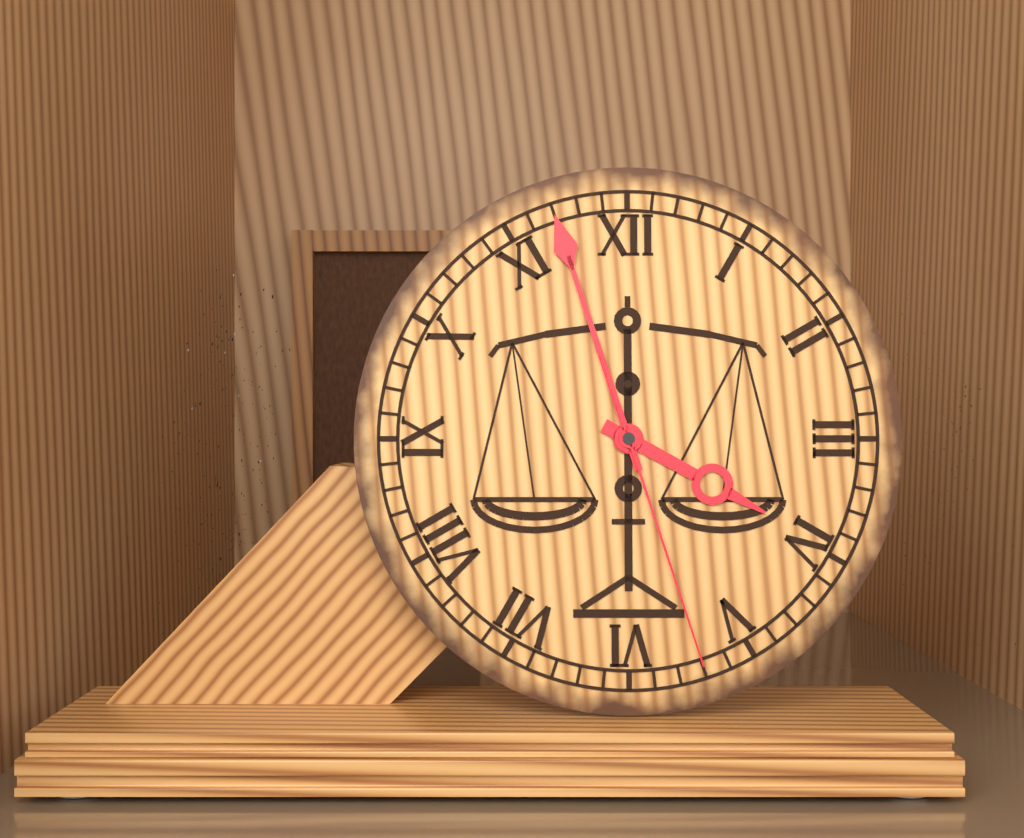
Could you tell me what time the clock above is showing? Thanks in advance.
3:57:27
